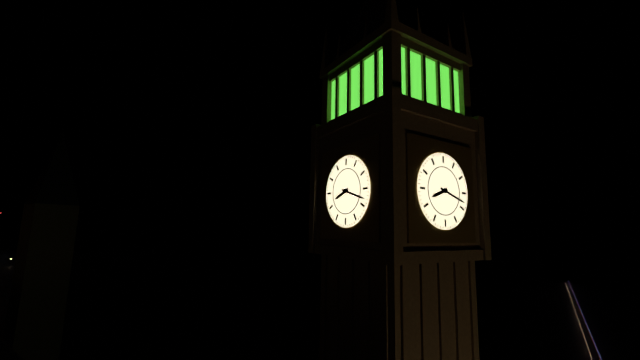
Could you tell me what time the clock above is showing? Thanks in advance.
8:18
